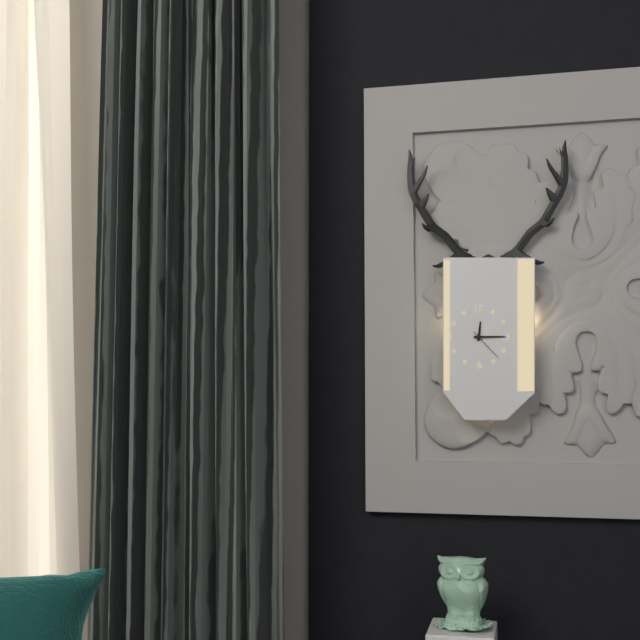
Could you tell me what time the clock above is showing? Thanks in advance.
12:15
